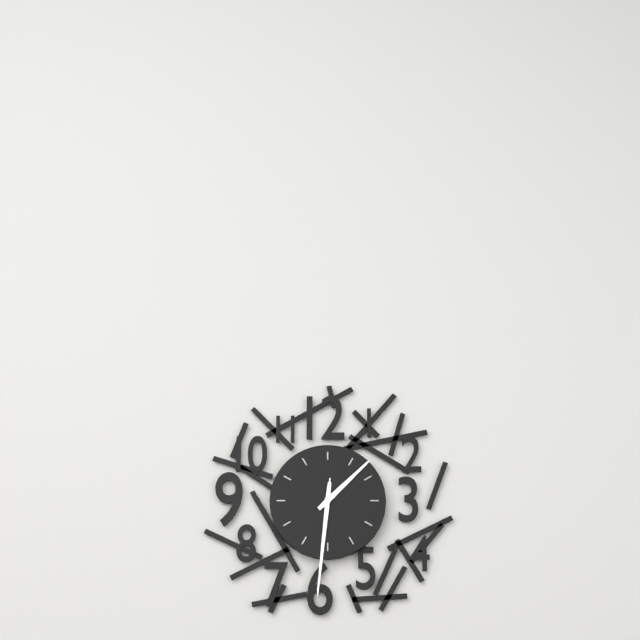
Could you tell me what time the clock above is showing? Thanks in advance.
1:31:31
